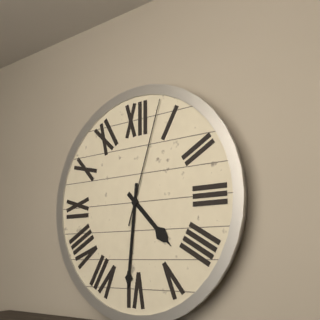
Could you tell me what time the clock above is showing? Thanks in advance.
4:31:03
